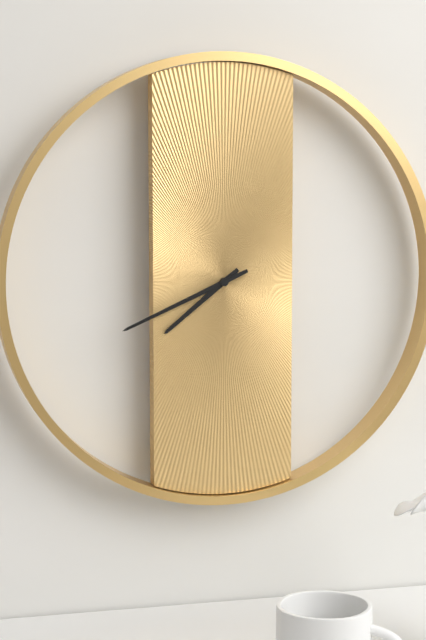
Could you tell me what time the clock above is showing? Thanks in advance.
7:41
